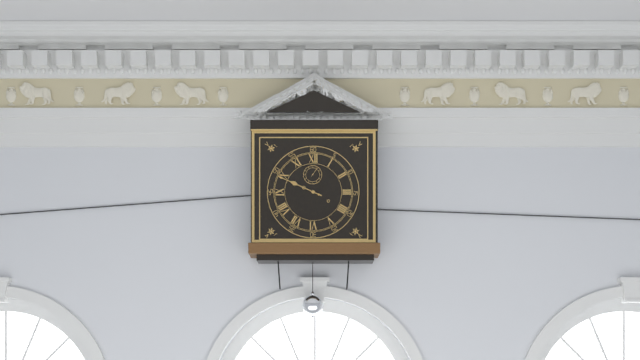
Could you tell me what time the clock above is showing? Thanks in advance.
9:49
